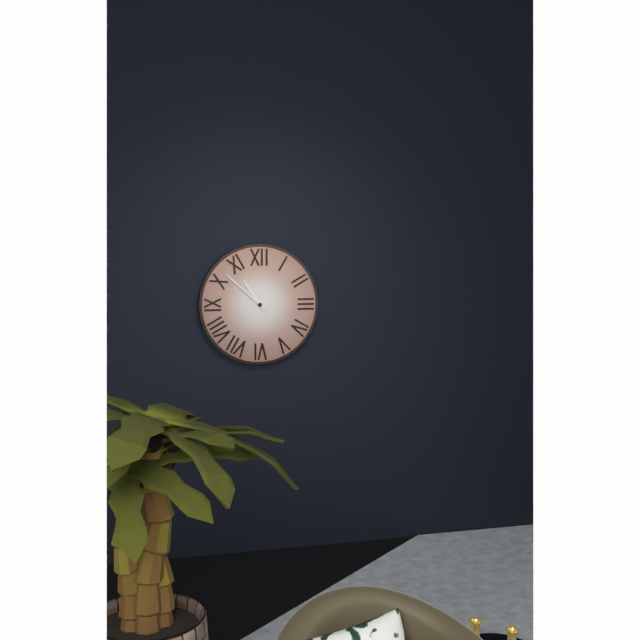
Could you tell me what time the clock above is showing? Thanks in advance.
10:52
